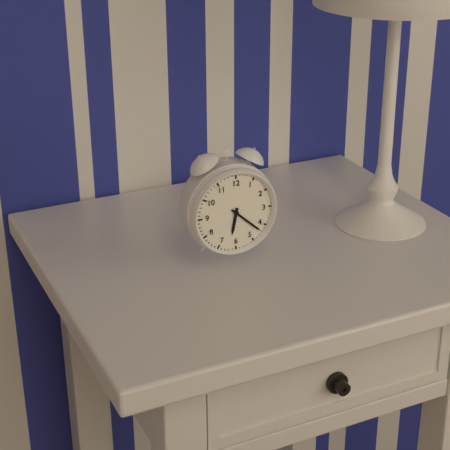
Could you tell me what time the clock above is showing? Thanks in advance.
6:22
